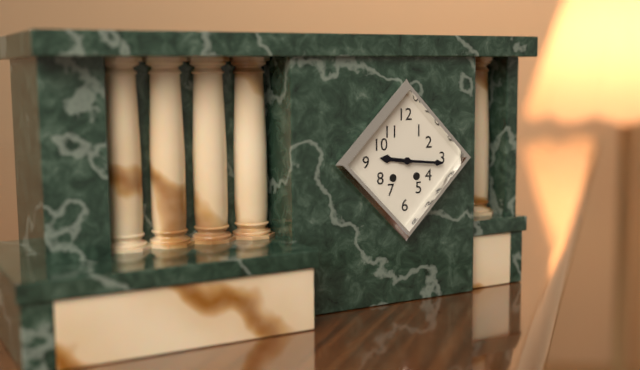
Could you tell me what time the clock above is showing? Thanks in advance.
9:16
